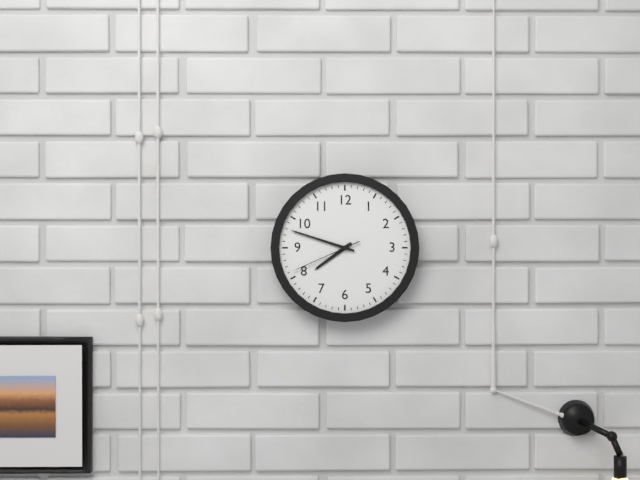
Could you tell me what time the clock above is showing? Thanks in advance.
7:48:41
